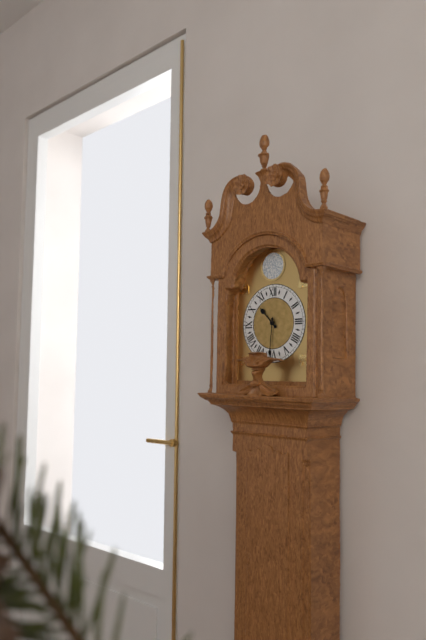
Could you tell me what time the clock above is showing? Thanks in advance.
10:31
